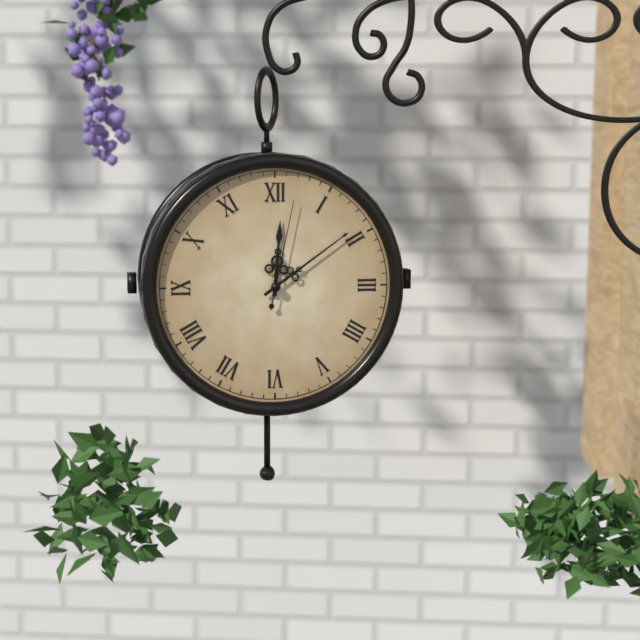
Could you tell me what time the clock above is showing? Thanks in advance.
12:09:02
